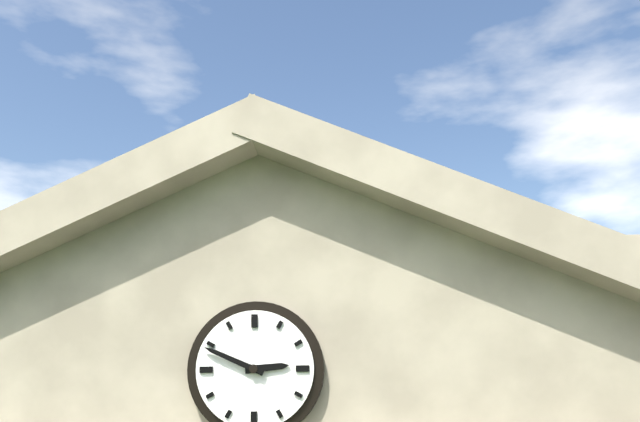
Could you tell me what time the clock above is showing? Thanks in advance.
2:49
